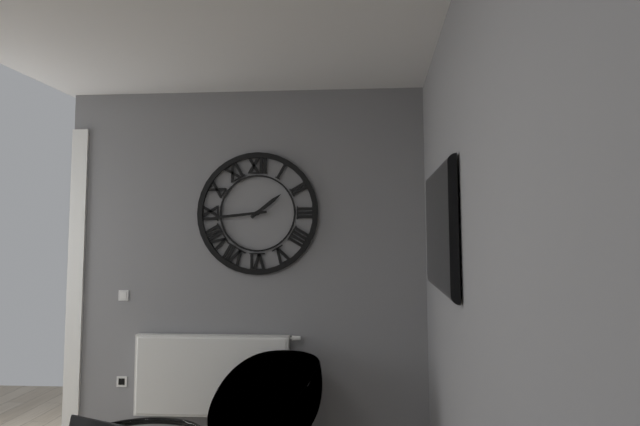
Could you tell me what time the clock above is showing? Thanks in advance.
1:44
